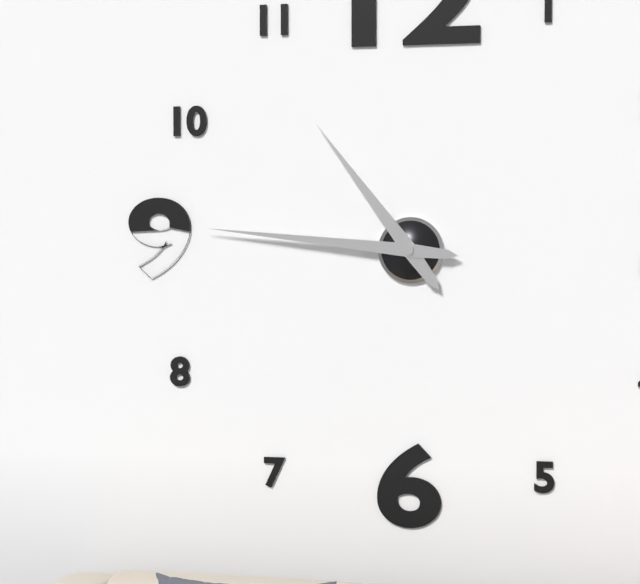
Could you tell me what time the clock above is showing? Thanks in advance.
10:46
